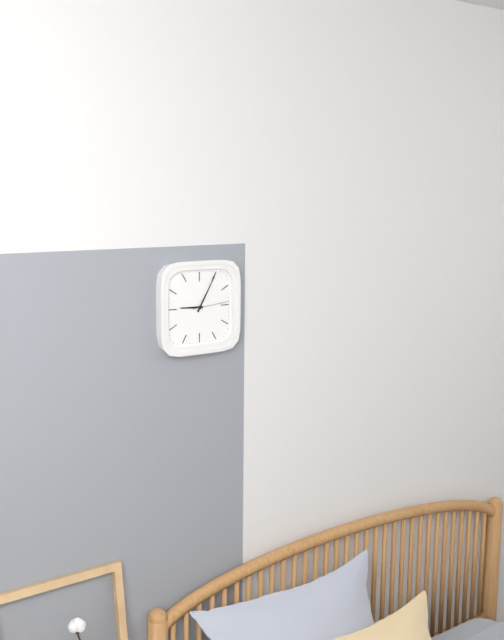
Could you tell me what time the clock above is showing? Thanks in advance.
9:05
